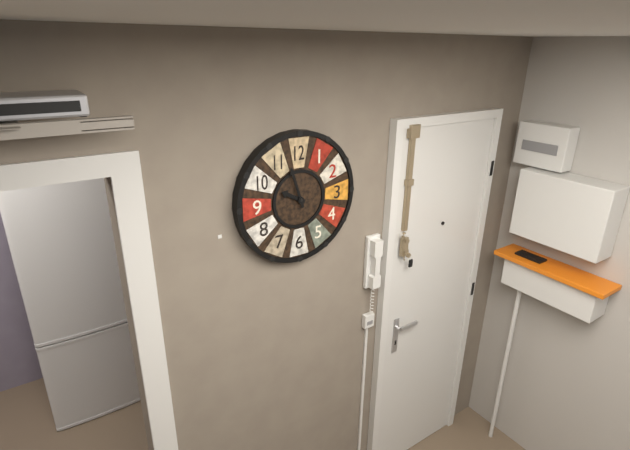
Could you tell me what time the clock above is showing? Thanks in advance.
9:57
